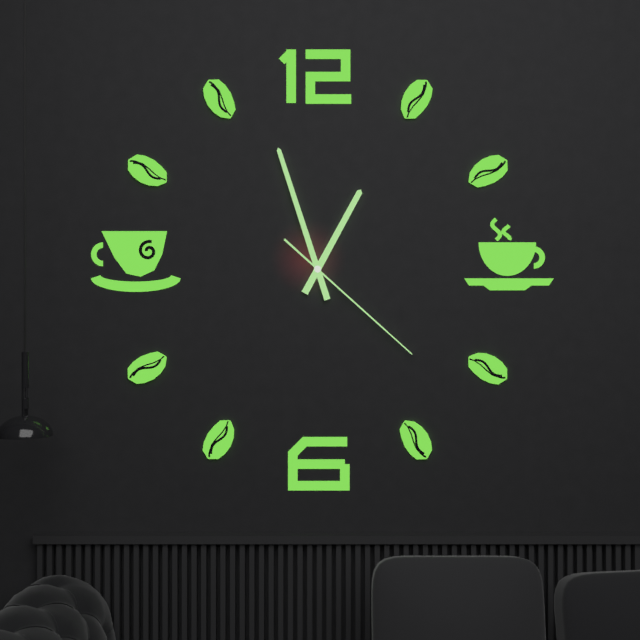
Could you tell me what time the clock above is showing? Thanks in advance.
12:57:22
